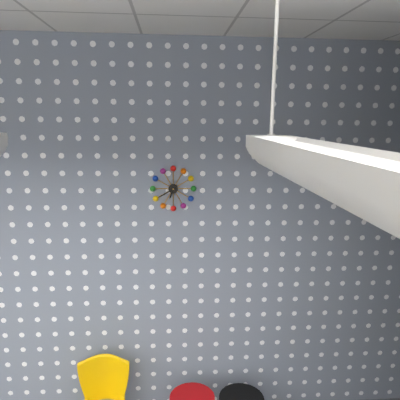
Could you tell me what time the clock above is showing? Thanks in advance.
6:40
